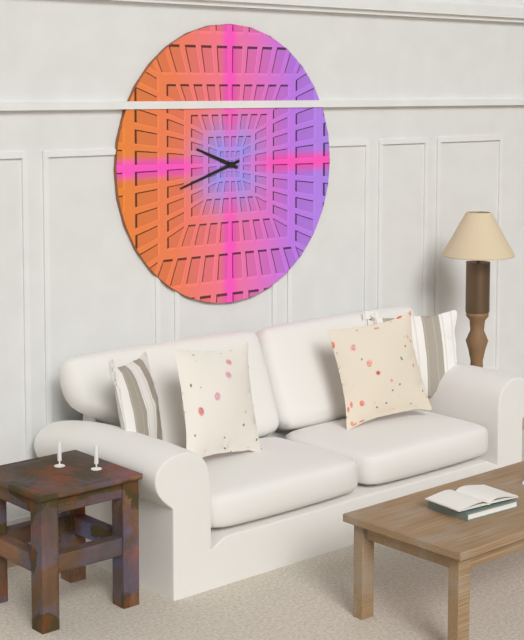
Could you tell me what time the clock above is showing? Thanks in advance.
9:42
